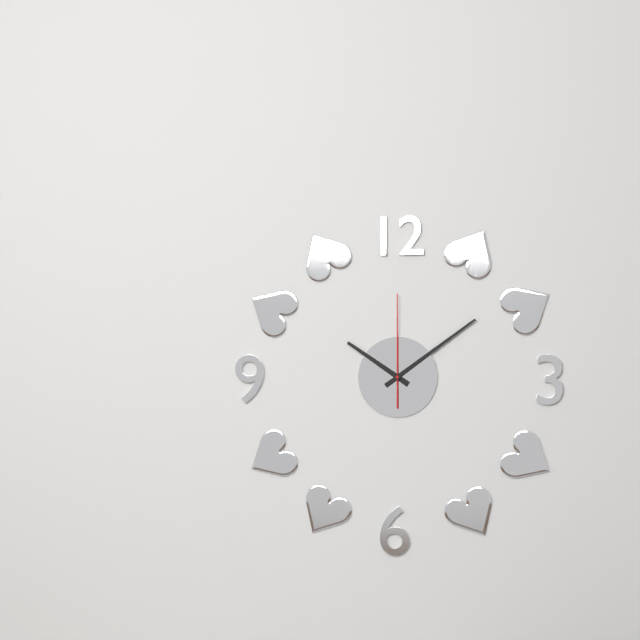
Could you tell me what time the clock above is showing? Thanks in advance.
10:09:00
